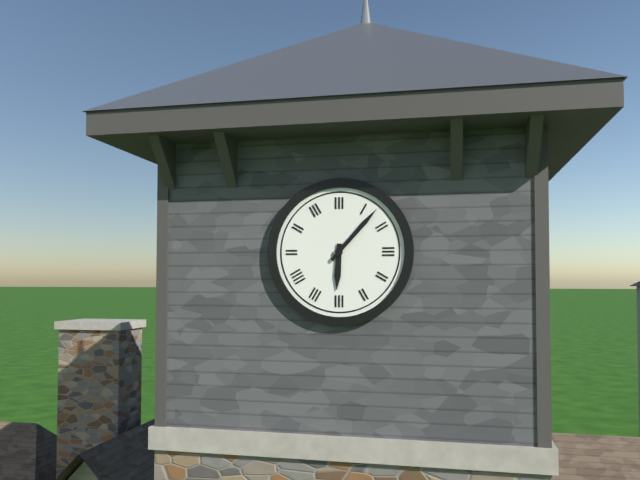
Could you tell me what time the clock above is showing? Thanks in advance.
6:07
